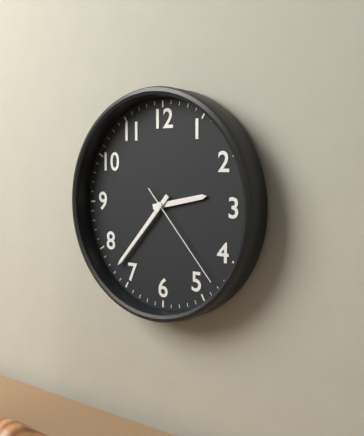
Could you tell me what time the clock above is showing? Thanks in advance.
2:37:23
